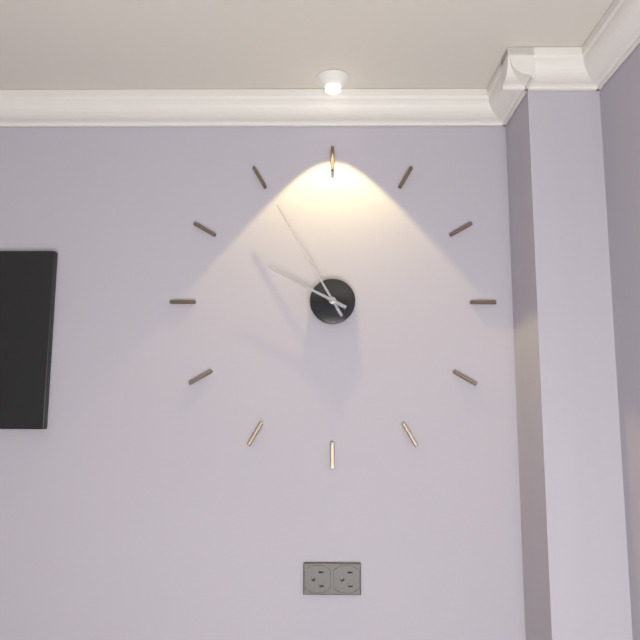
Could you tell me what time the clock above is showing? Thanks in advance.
9:55
